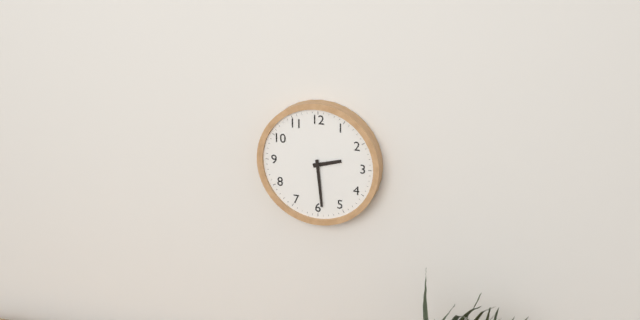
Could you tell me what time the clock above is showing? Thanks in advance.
2:29
